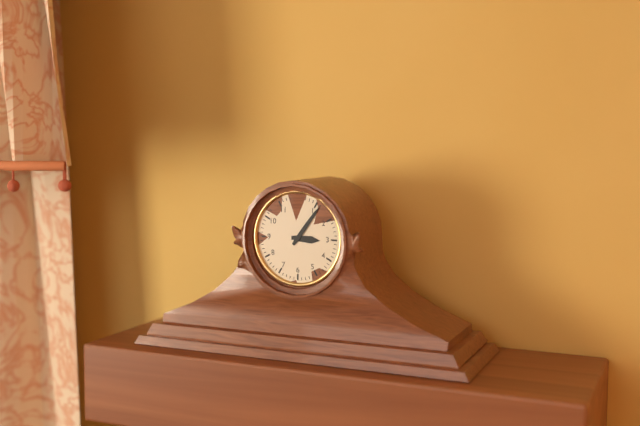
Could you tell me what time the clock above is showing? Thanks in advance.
3:06
